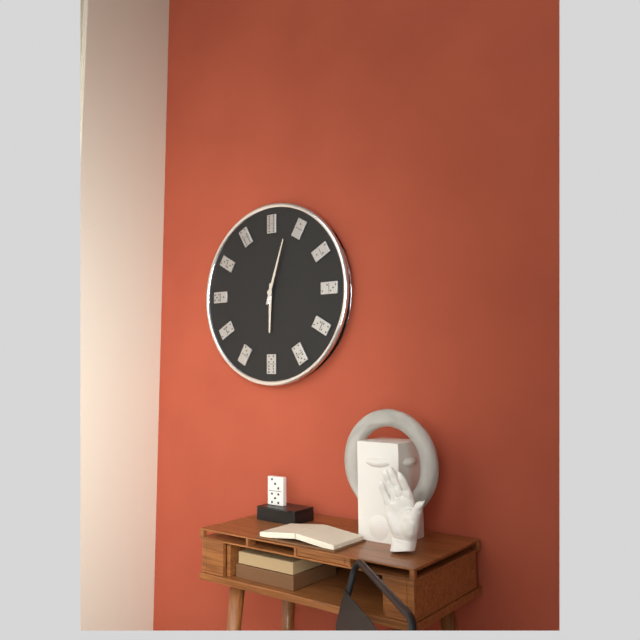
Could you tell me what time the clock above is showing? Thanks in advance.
6:03
